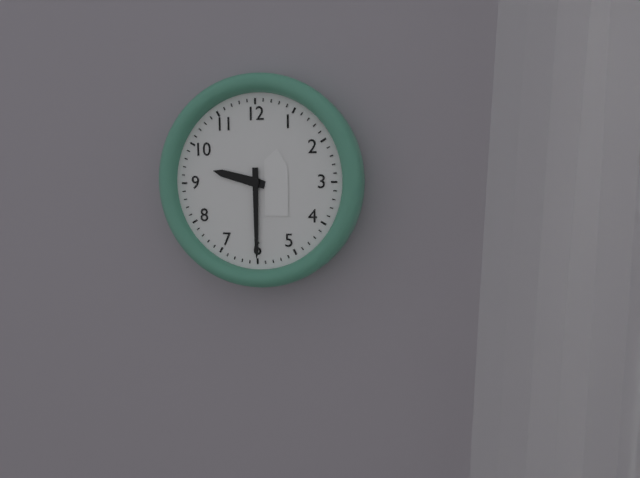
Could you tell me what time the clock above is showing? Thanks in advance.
9:30
